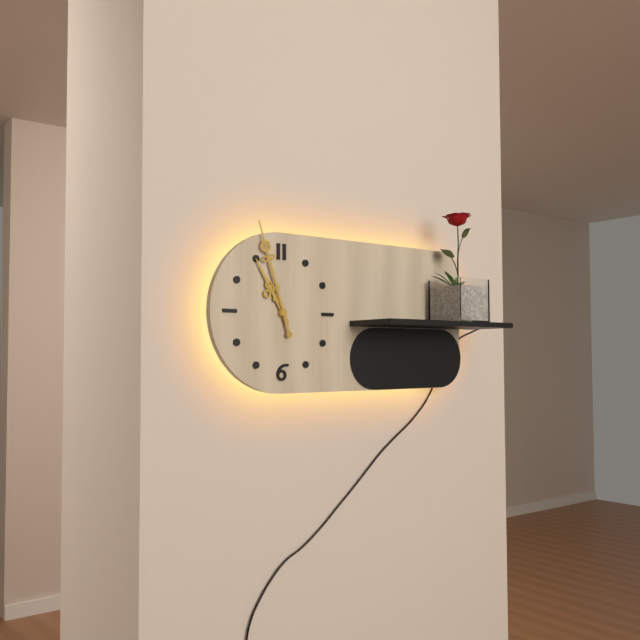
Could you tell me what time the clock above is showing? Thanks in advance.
10:57
